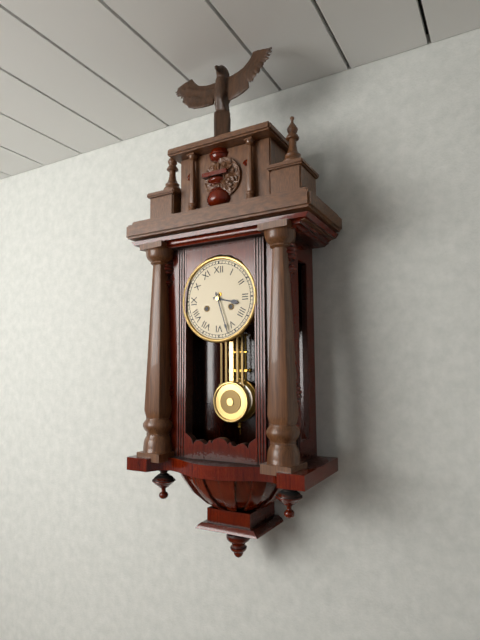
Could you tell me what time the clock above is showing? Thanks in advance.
3:27
